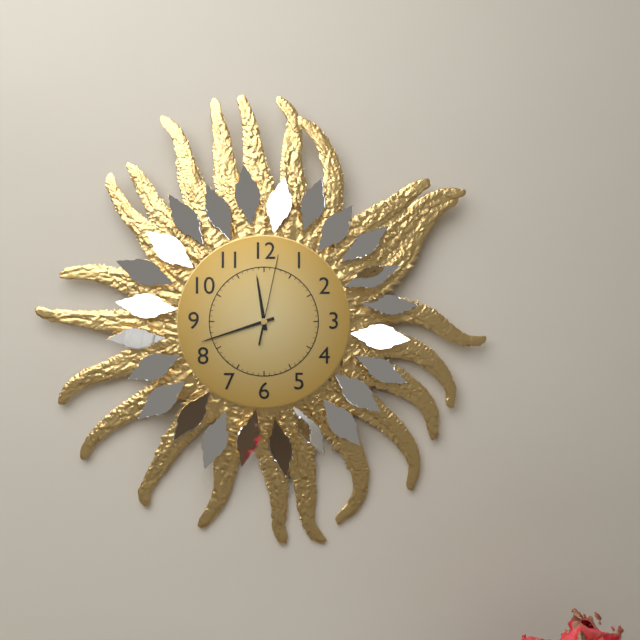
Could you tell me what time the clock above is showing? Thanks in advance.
11:42:02
